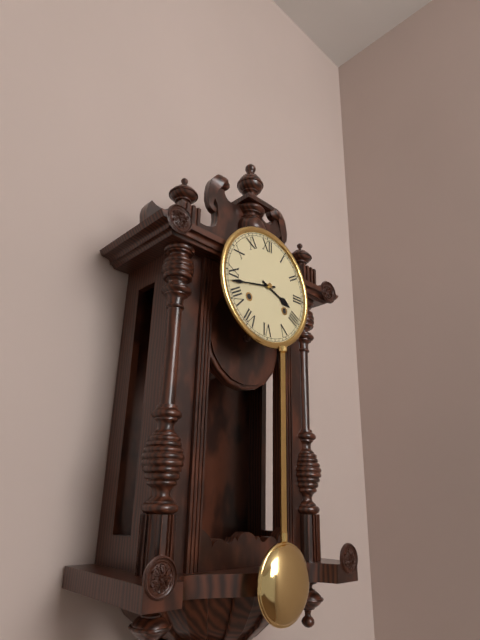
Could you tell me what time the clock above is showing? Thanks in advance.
3:43
